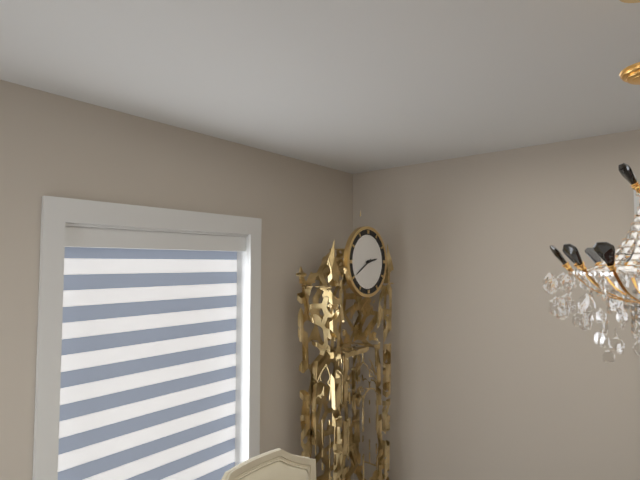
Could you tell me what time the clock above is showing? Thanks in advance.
2:40
